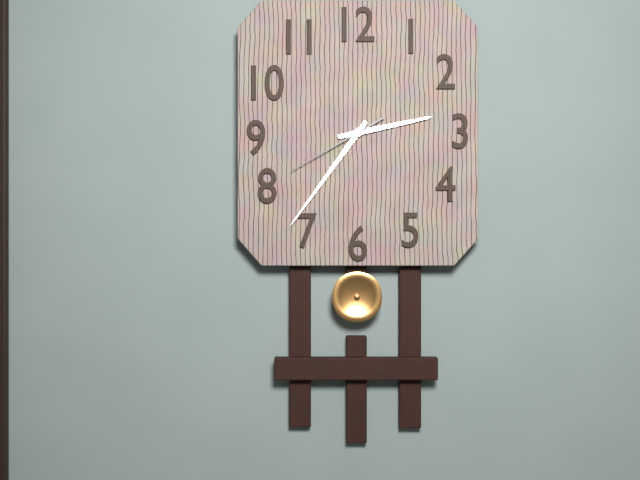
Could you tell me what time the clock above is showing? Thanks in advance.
2:36:40
